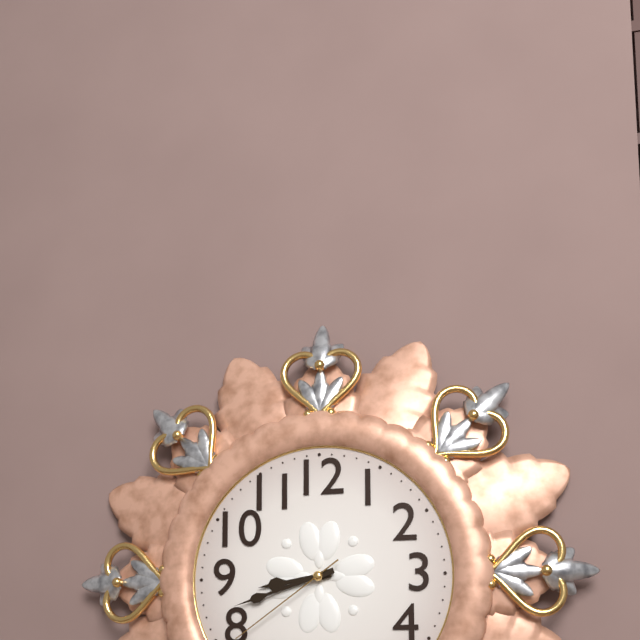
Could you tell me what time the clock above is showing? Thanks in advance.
8:42:39
